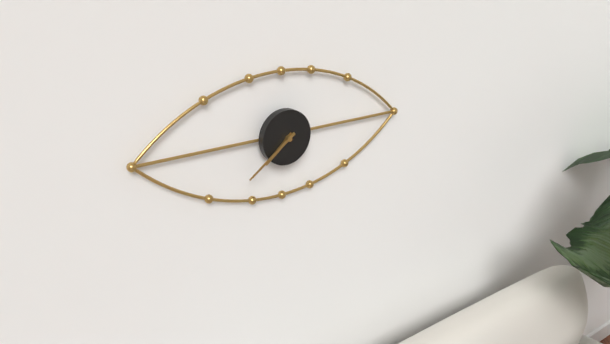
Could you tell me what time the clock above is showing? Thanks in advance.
7:39
